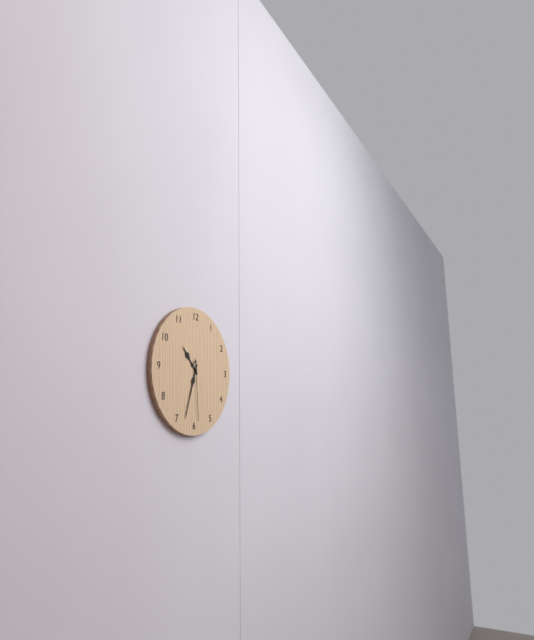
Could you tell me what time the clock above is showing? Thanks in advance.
10:33:29
